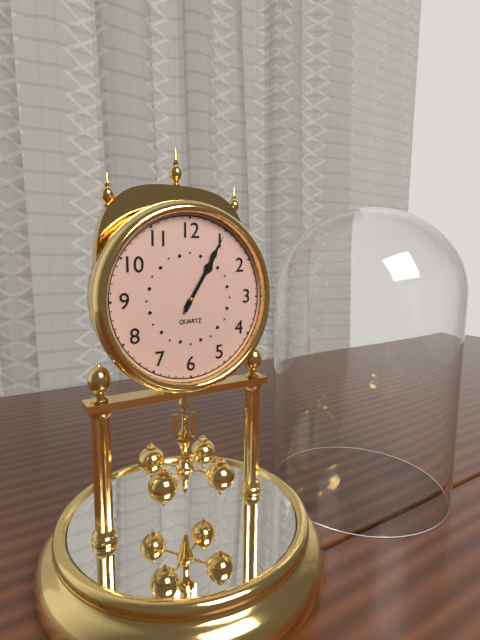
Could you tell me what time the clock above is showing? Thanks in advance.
1:05
